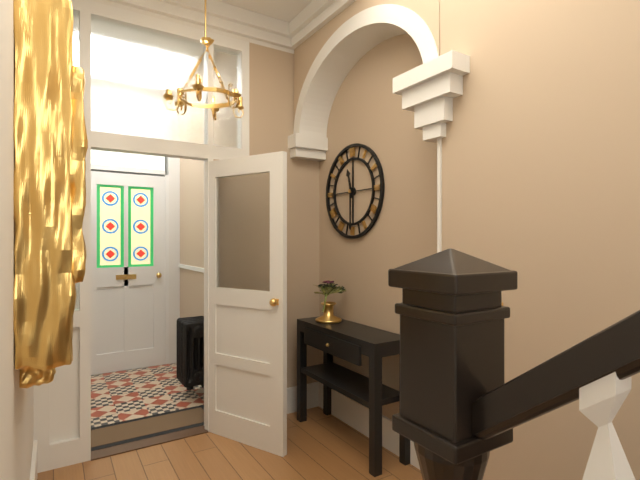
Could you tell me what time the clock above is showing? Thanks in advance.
11:30
